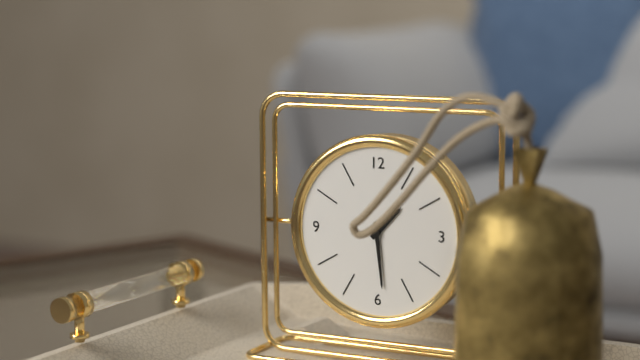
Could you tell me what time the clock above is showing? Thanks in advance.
1:29
